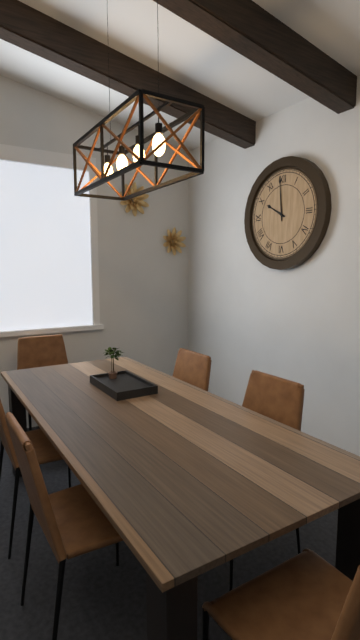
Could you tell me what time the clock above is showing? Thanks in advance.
9:59
